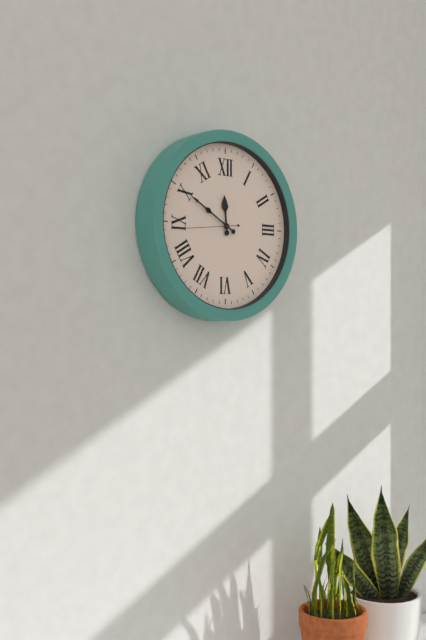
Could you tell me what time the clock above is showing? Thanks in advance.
11:50
